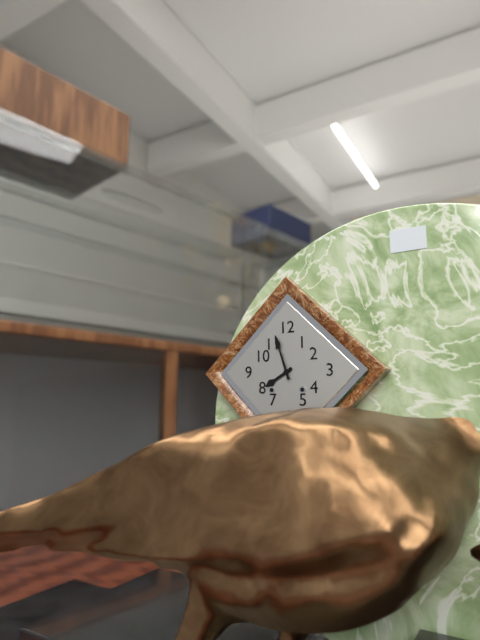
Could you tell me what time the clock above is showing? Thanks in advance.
7:57
